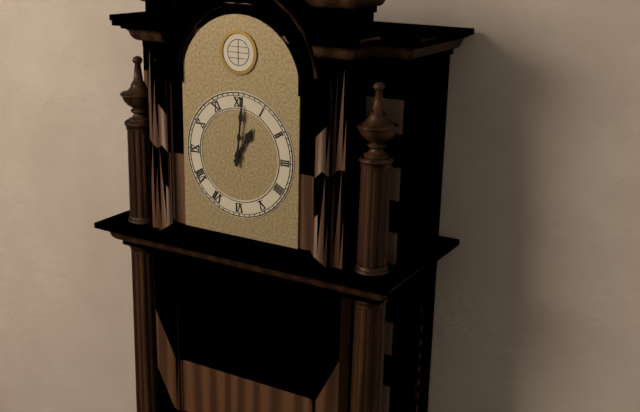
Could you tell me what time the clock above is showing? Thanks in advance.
1:01
